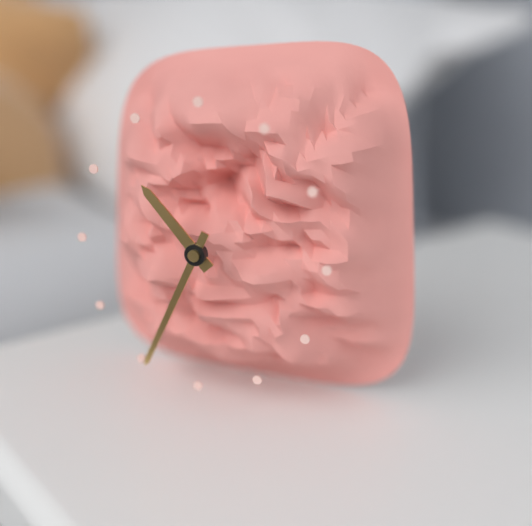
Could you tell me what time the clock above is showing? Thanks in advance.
10:34
